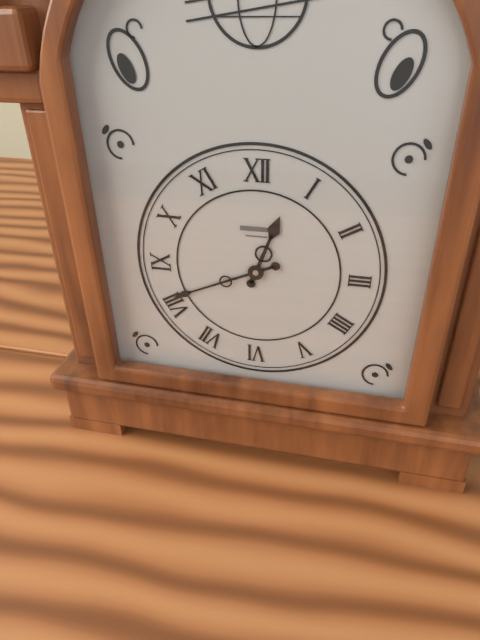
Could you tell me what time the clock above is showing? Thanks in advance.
12:41
